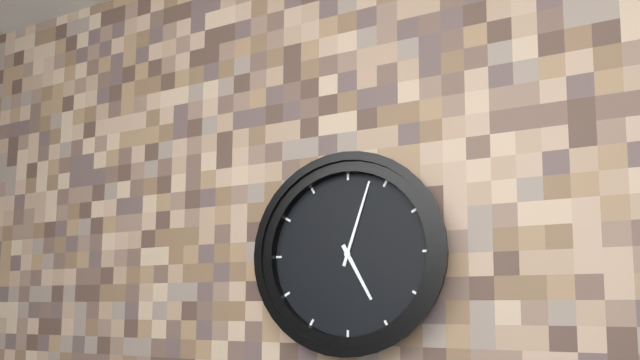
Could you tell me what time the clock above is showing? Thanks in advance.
5:03
